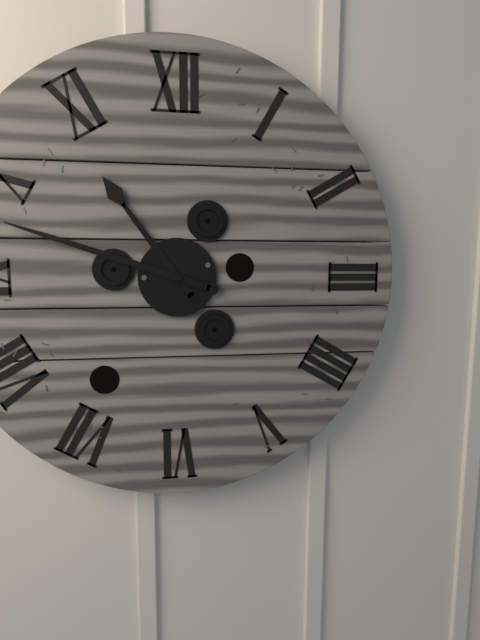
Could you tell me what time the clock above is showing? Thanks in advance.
10:48
